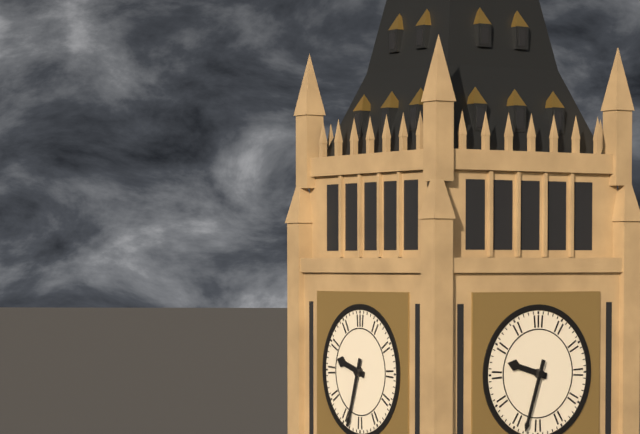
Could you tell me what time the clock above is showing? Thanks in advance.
9:33
